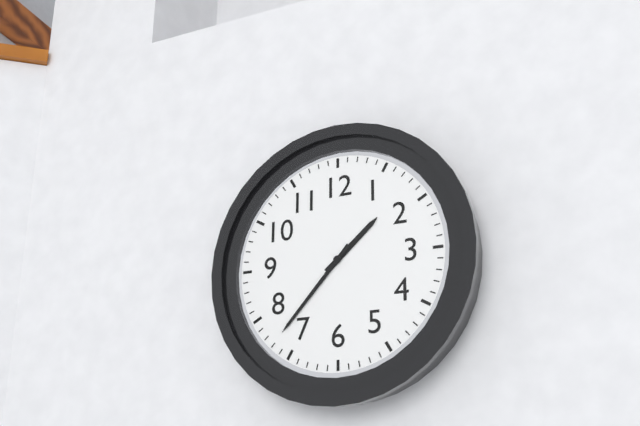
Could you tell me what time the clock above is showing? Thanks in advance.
1:37
